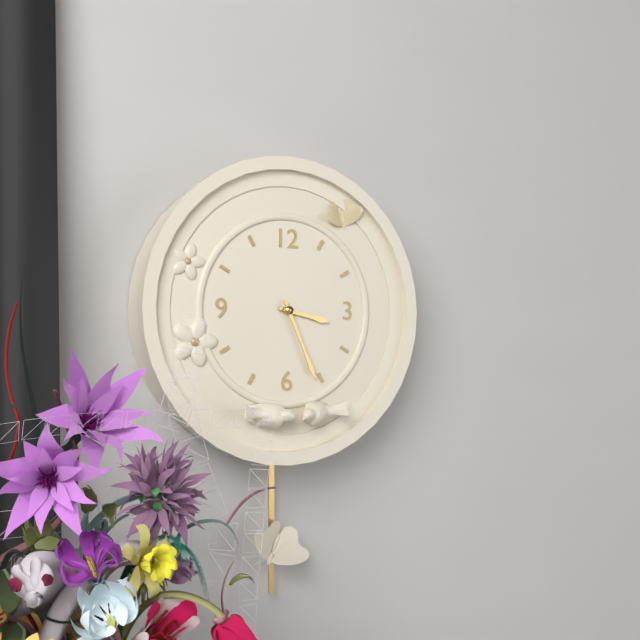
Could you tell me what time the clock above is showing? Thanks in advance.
3:26
